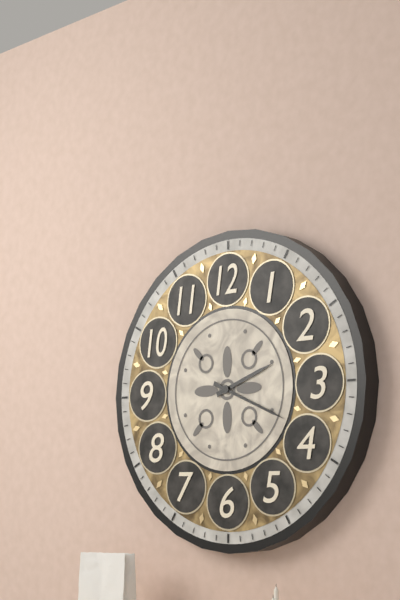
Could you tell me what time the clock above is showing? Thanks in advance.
2:19
